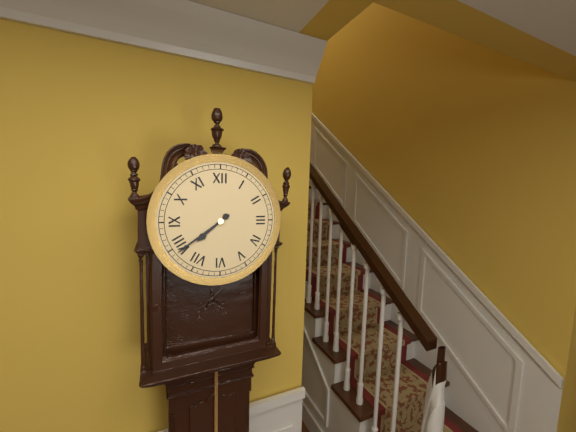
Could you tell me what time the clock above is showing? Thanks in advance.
7:39
